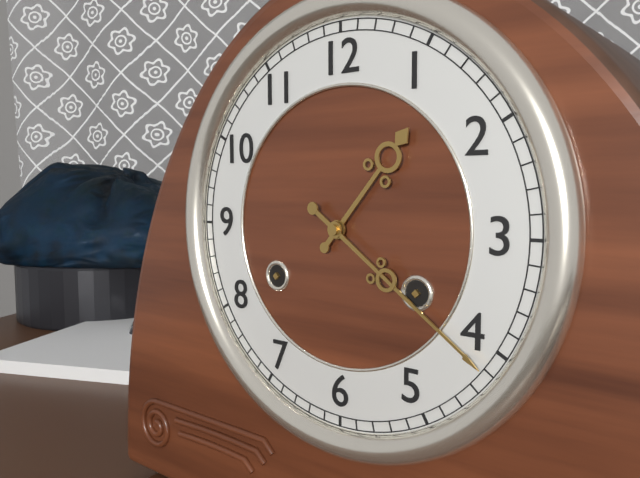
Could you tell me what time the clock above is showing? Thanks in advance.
1:21
